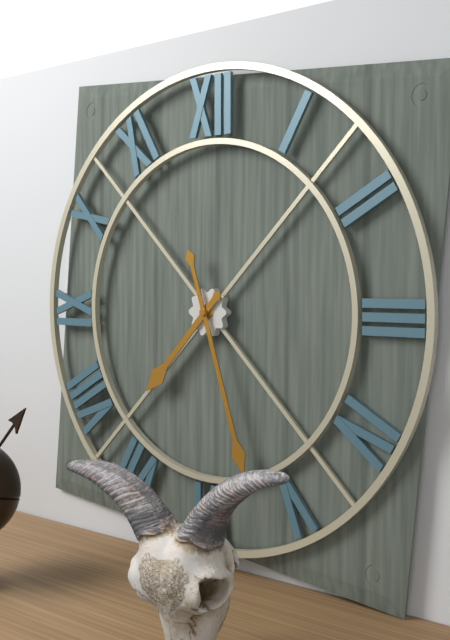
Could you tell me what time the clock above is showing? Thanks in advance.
7:27
